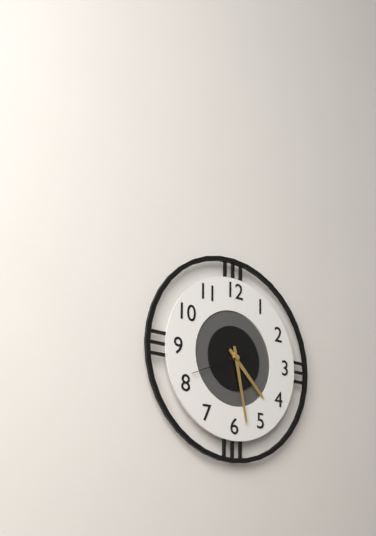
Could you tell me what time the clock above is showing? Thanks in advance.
4:28
